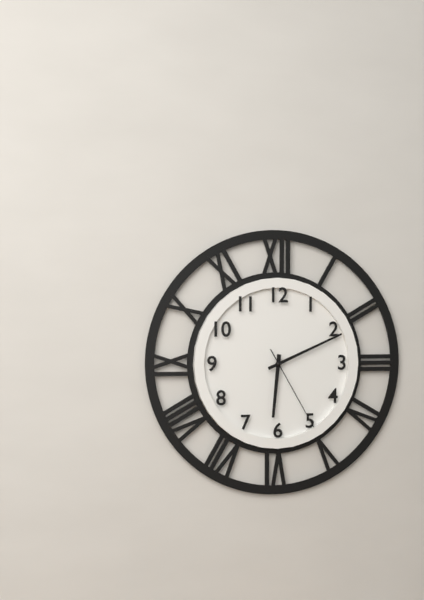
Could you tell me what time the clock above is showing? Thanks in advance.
6:11:25
